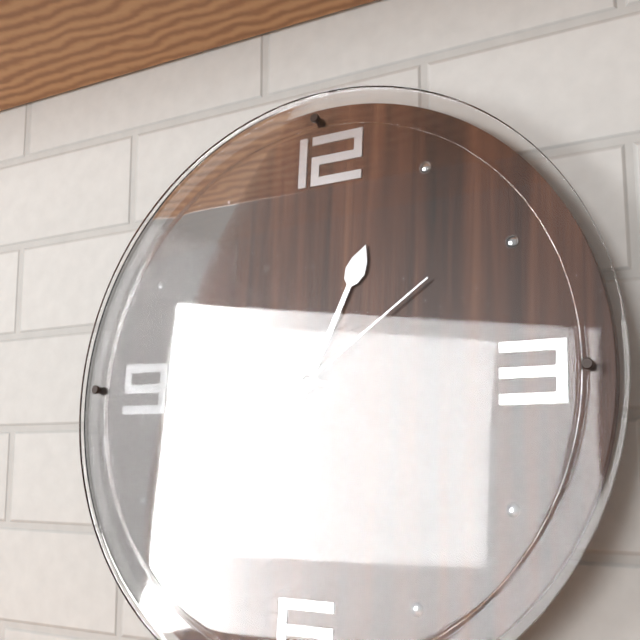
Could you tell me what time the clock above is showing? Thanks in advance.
12:47:09
